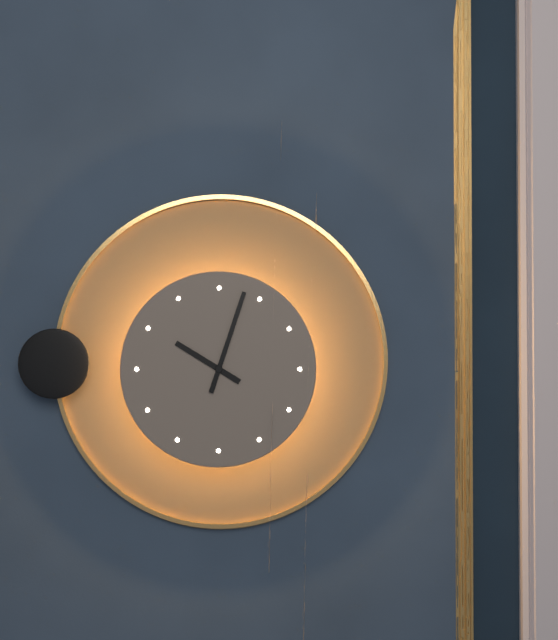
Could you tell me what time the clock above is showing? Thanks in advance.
10:03
